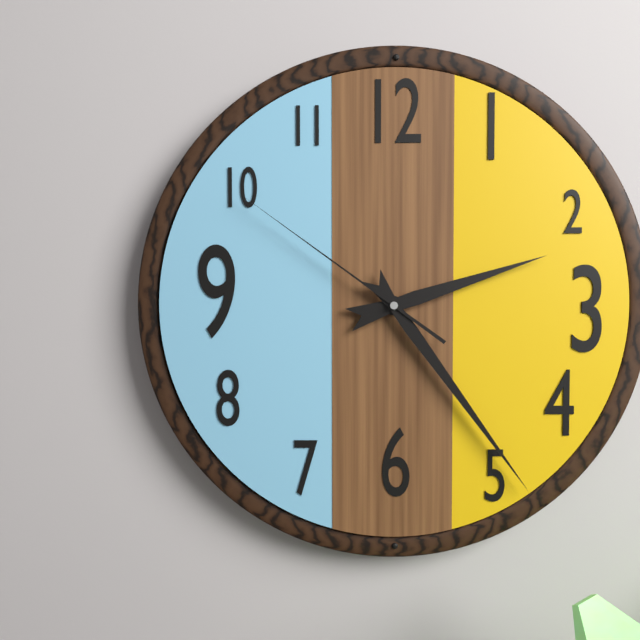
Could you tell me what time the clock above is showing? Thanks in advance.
2:24:51
